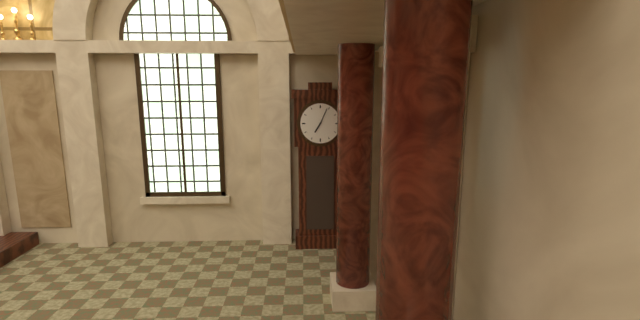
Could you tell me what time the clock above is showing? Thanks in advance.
7:04
